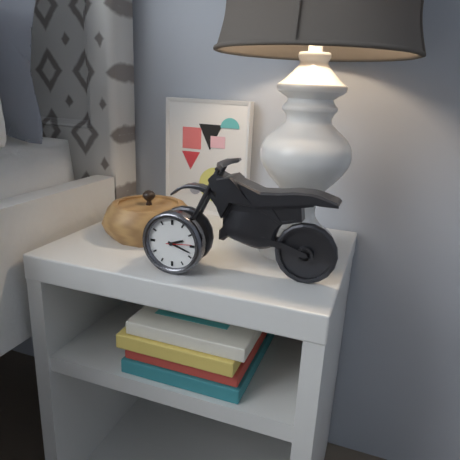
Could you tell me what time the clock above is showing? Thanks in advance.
2:18
